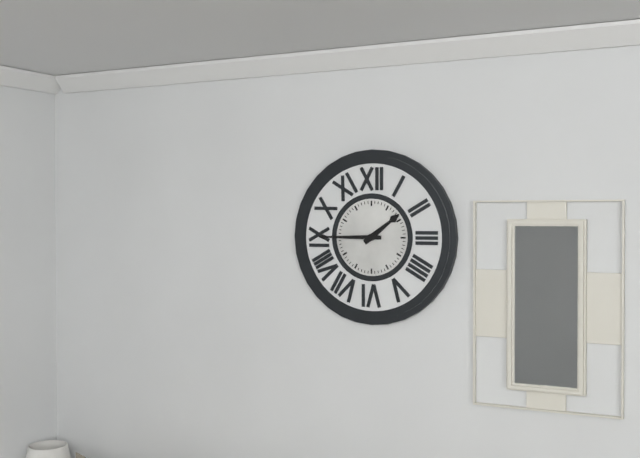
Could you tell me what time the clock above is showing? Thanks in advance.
1:45
